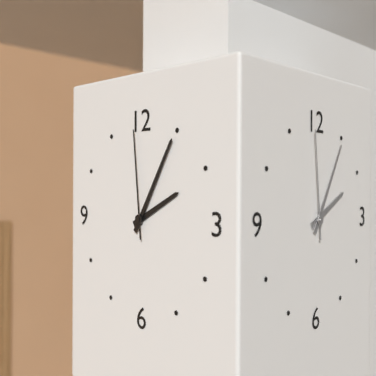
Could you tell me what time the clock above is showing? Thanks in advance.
2:05:59
